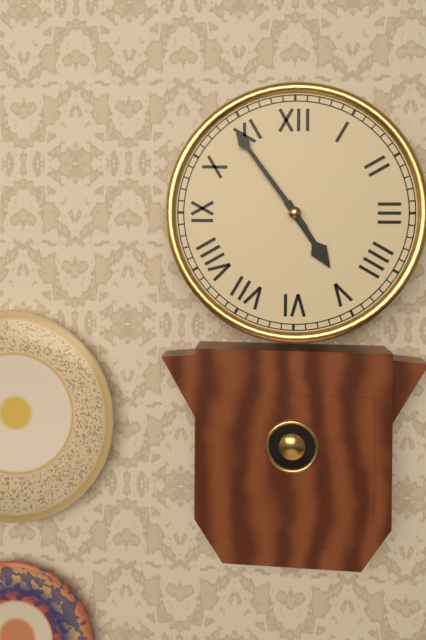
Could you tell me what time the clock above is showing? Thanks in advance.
4:54
